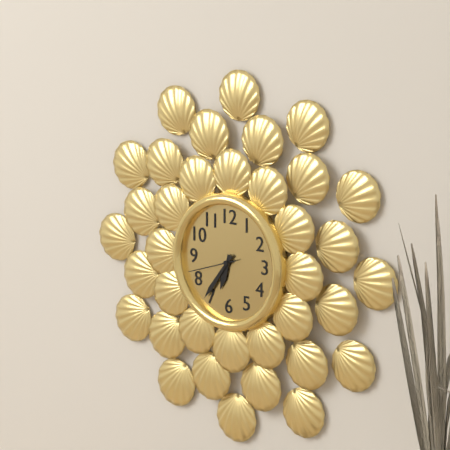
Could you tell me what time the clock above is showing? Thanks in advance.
6:36
